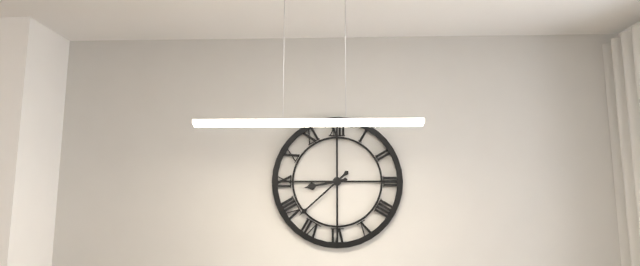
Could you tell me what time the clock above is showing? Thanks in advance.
8:38
